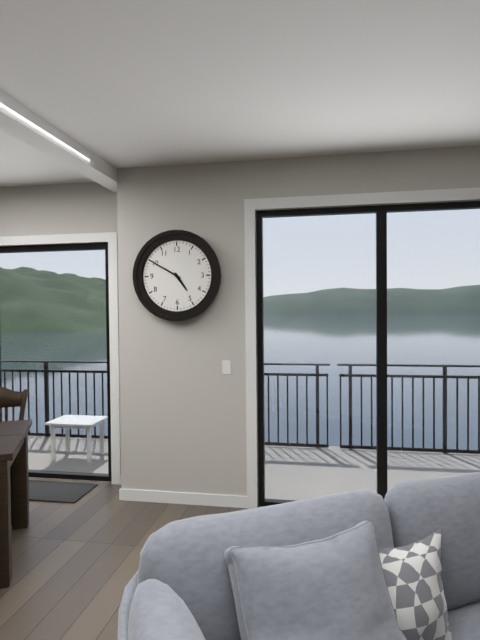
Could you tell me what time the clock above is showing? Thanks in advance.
4:50
